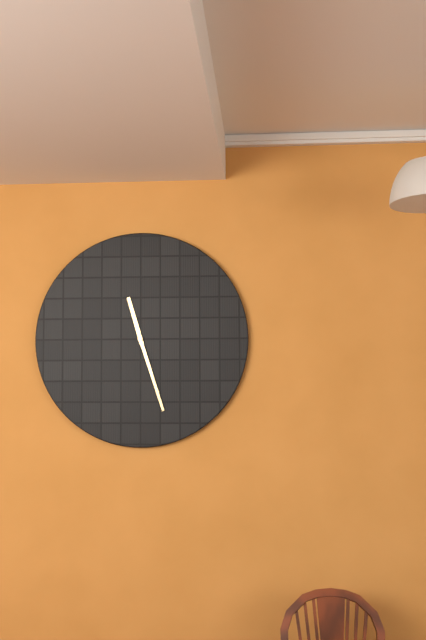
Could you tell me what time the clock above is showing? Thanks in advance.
11:27
